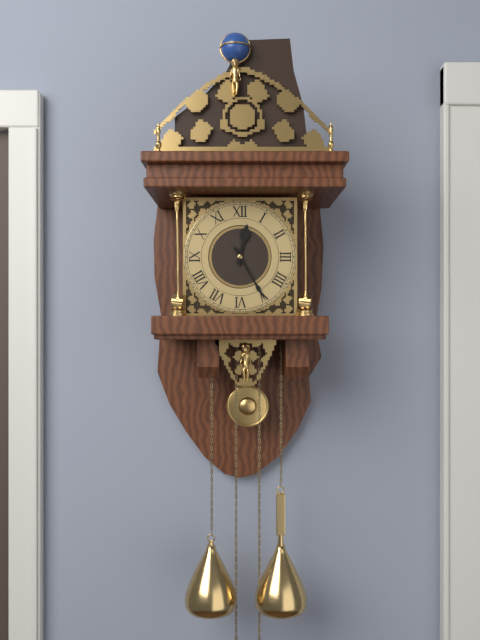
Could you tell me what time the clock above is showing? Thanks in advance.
12:25
